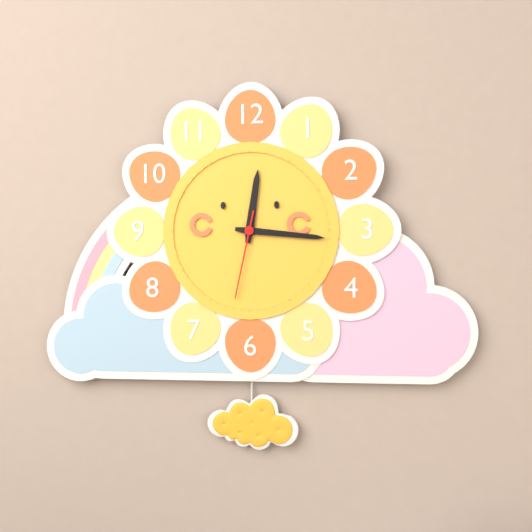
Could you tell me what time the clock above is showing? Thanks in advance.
12:16:32
